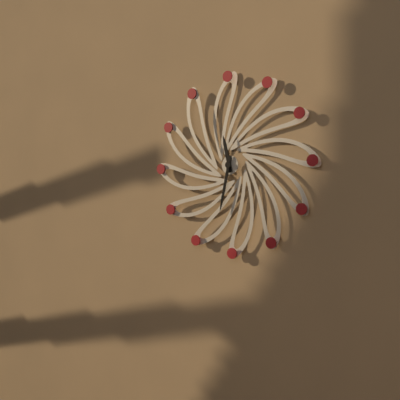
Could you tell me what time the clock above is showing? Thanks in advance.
11:32
